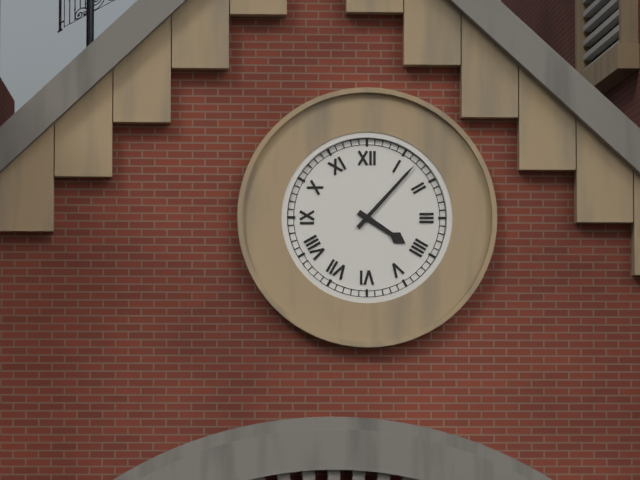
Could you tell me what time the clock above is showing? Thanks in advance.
4:07
